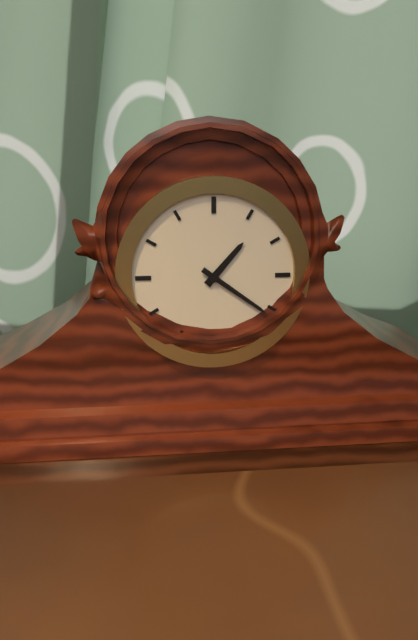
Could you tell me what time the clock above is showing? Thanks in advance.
1:21
